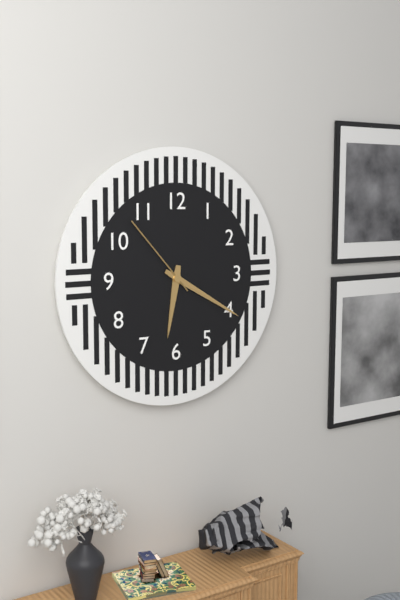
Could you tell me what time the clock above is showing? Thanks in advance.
6:20:53
